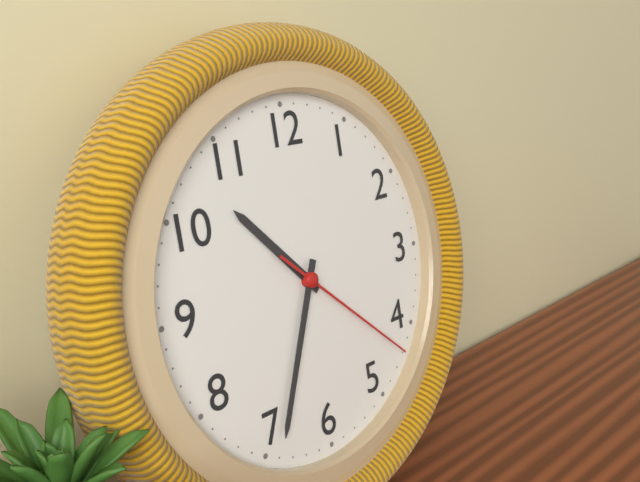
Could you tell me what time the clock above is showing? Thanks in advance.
10:34:22
